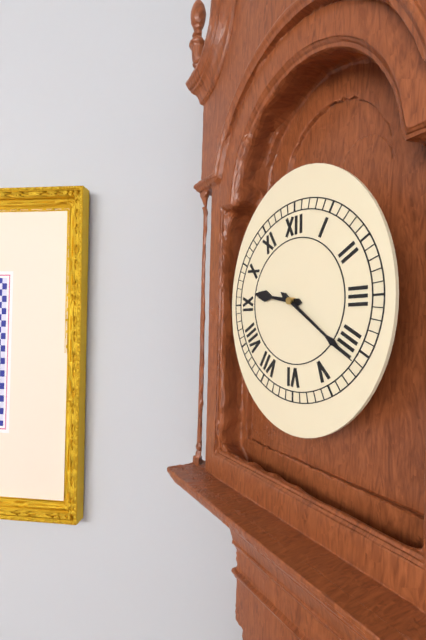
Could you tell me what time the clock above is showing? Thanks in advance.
9:21
